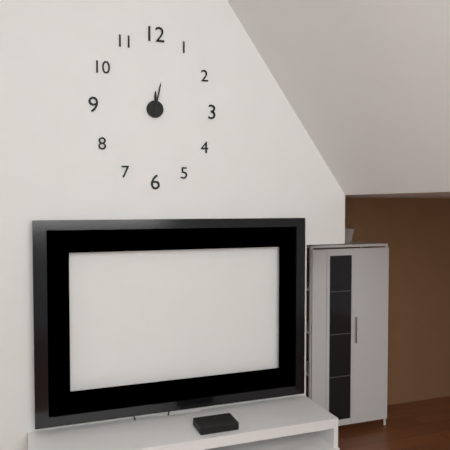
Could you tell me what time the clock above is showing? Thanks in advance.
12:02
